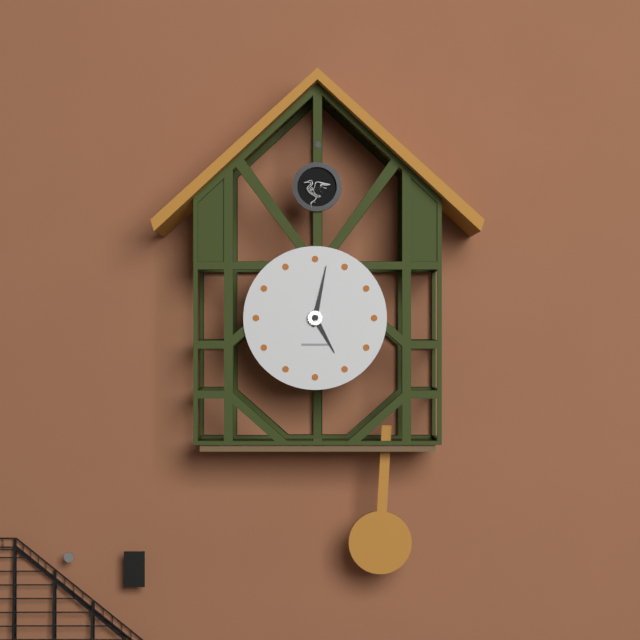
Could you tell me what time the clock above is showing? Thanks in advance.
5:02
